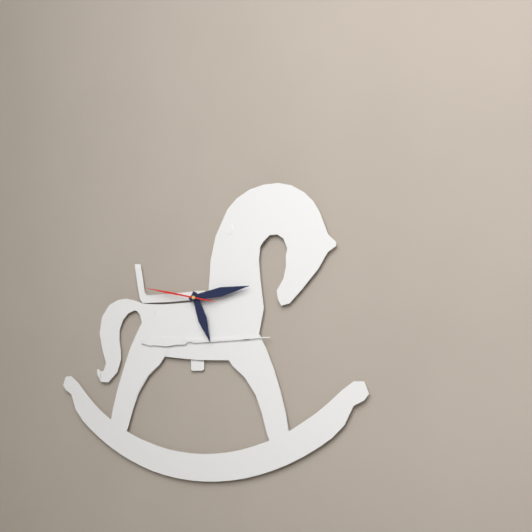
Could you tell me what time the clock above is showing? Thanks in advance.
5:14:47
